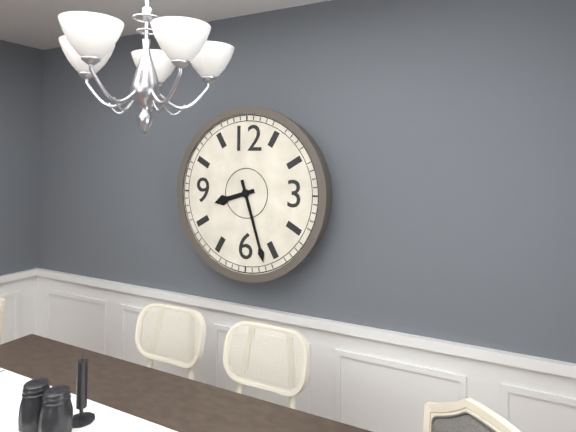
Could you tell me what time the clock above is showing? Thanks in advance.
8:27
